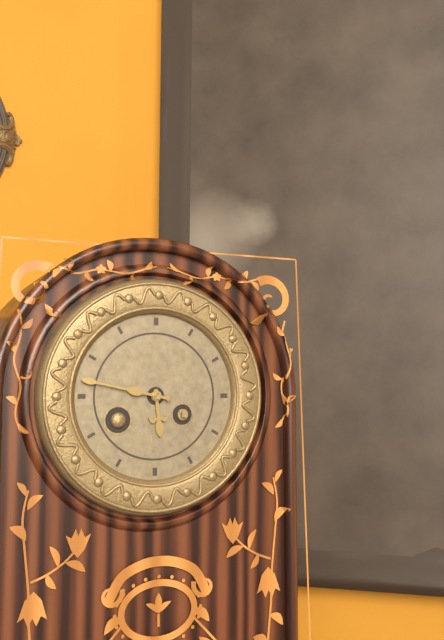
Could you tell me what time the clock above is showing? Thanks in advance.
5:47
